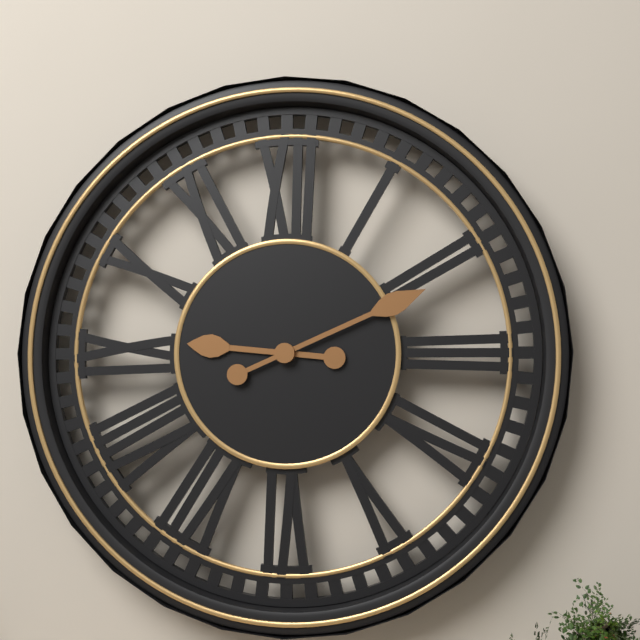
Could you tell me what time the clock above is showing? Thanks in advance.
9:11
